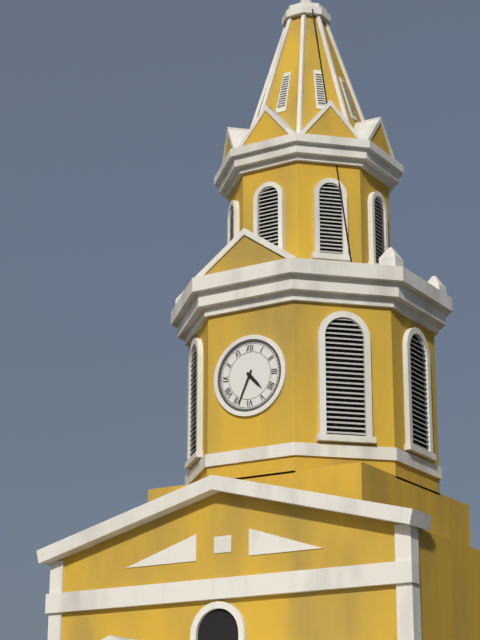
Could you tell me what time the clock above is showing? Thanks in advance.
4:34
